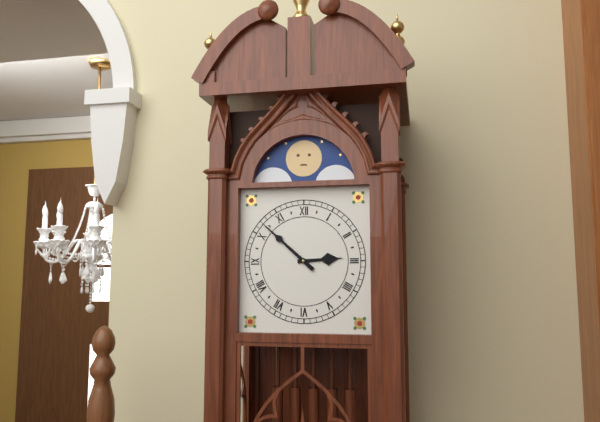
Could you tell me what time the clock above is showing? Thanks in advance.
2:52
